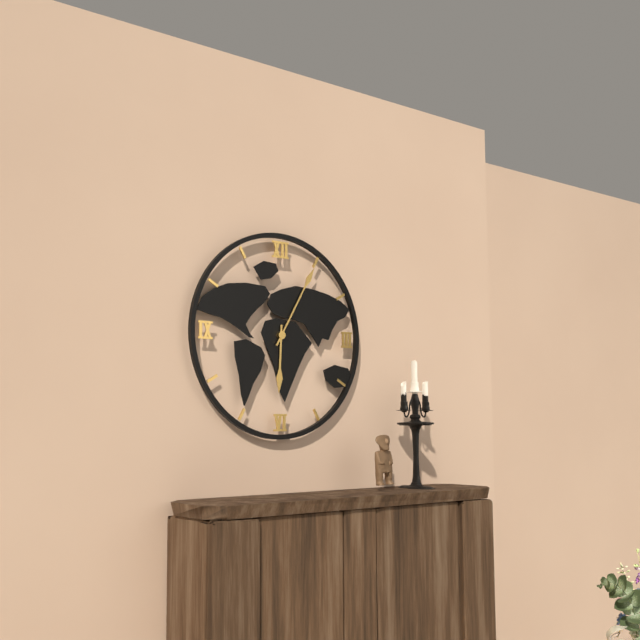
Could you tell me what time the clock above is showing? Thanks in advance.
6:05
